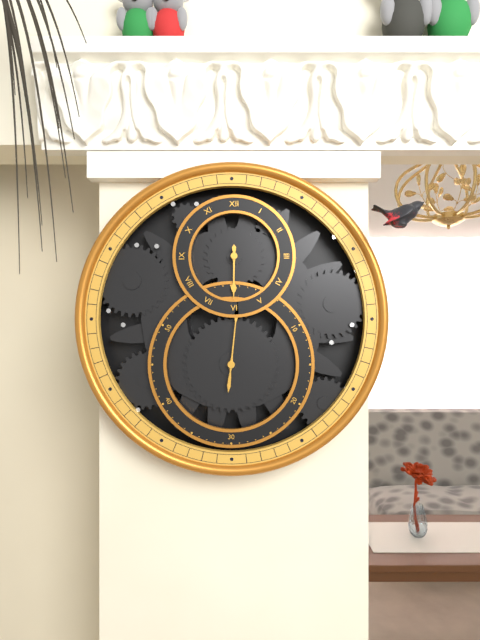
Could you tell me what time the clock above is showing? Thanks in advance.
6:01
